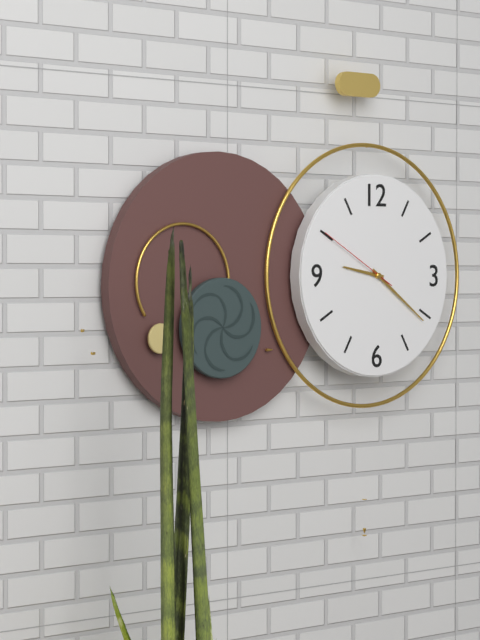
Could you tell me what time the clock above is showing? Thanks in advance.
9:21:50
